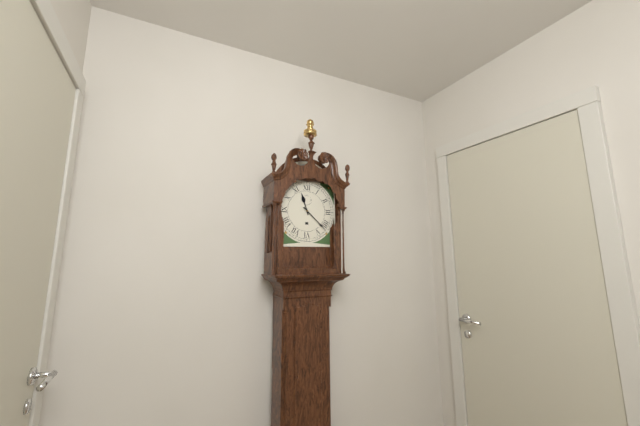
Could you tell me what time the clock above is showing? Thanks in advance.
11:22
